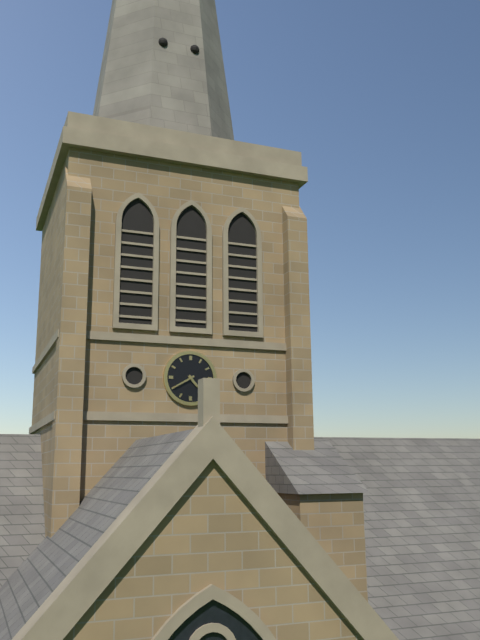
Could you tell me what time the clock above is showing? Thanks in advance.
4:40
